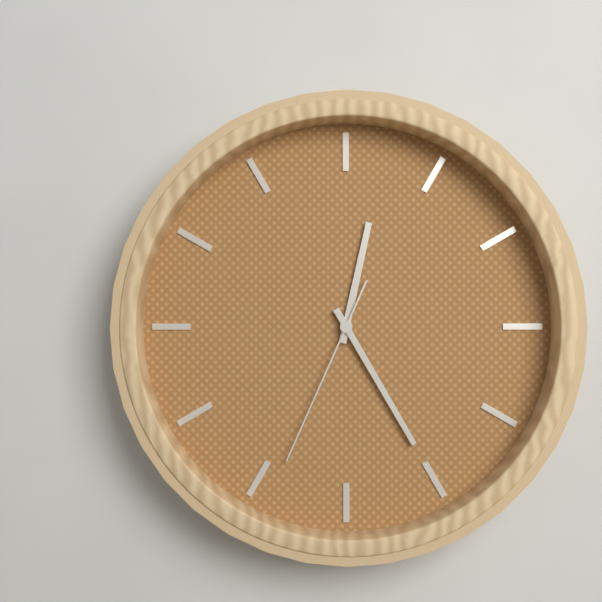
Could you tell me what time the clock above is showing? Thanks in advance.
12:25:34
